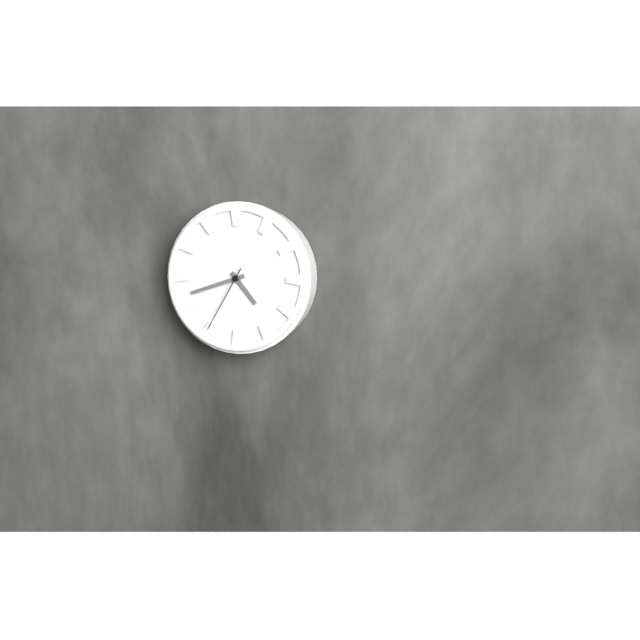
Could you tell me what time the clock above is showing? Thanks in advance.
4:42:35
